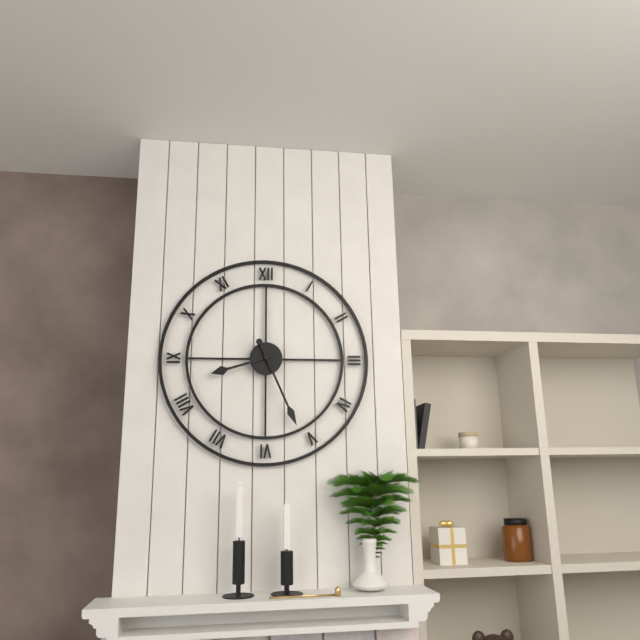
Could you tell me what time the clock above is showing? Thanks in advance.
8:26
